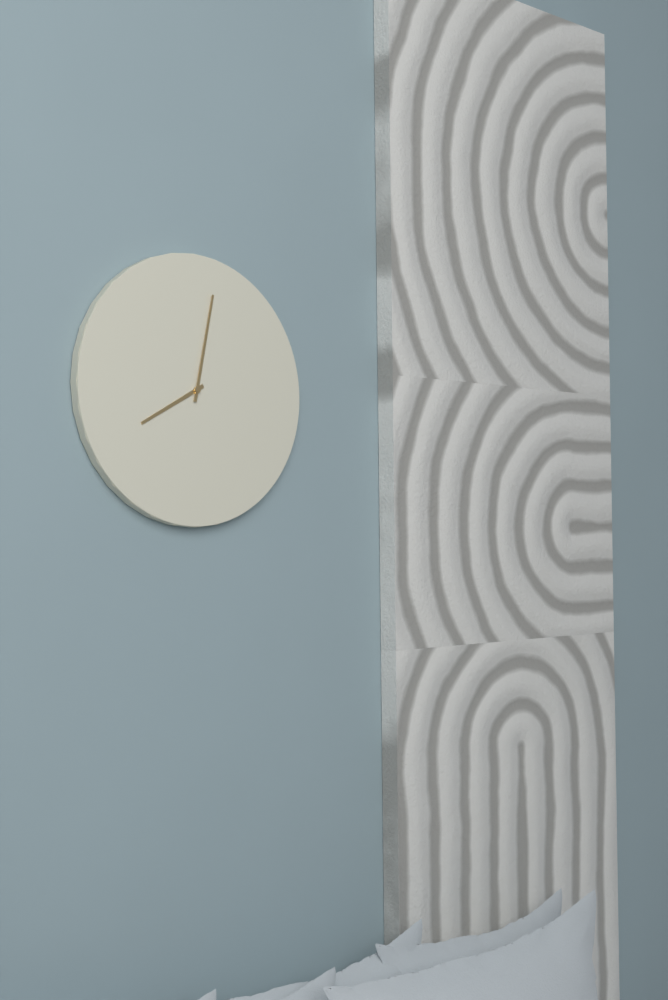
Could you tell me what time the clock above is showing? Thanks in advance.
8:02
